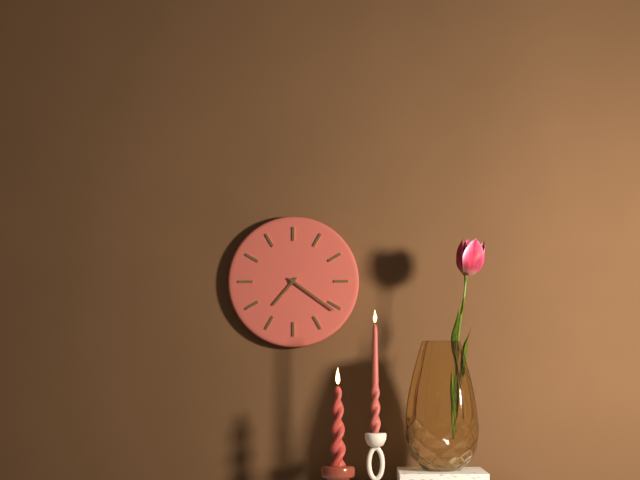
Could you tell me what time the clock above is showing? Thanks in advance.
7:21
